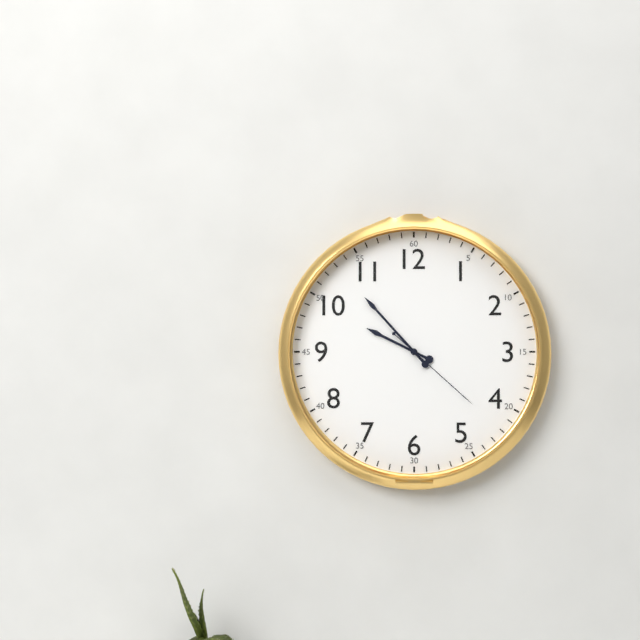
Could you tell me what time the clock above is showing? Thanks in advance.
9:53:22
